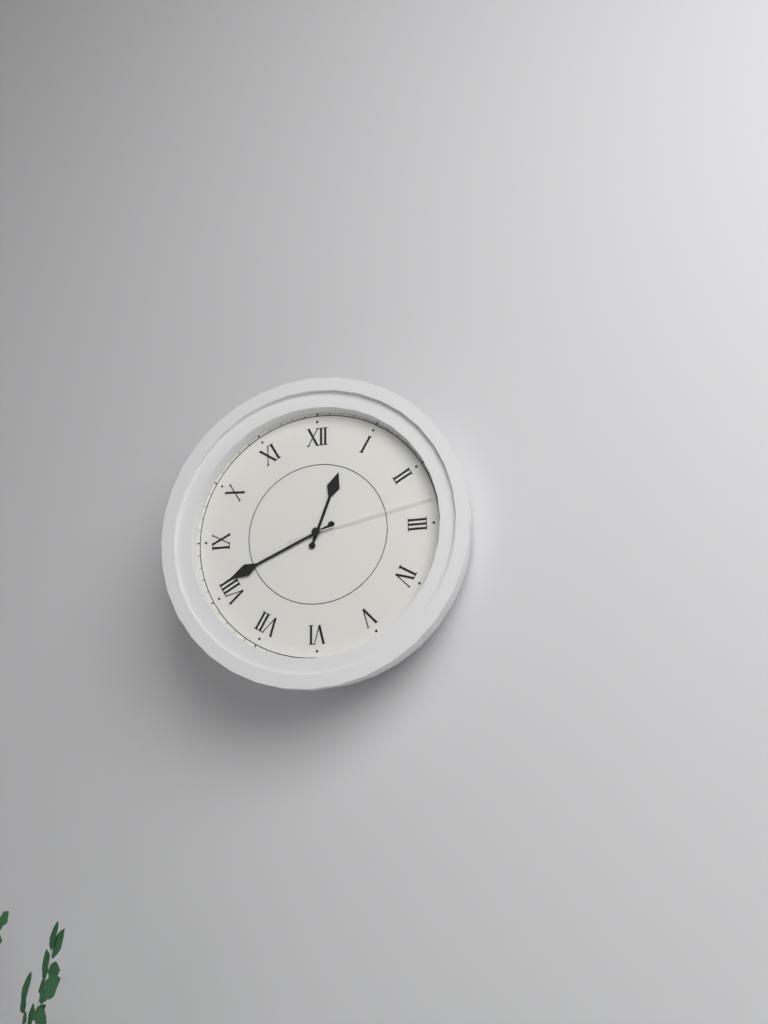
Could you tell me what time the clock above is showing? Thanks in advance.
12:41:13
